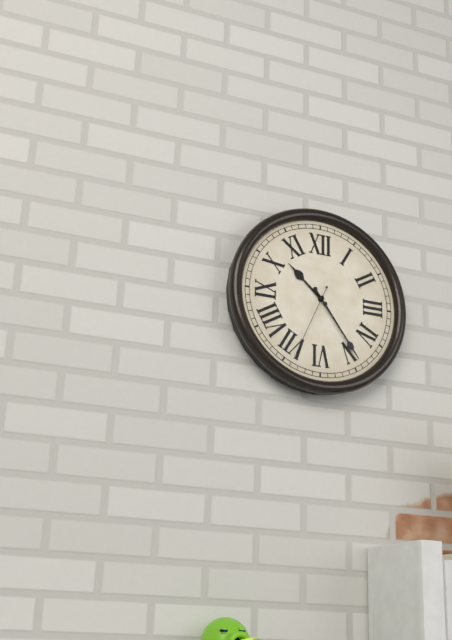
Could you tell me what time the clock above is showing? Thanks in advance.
10:24:34
